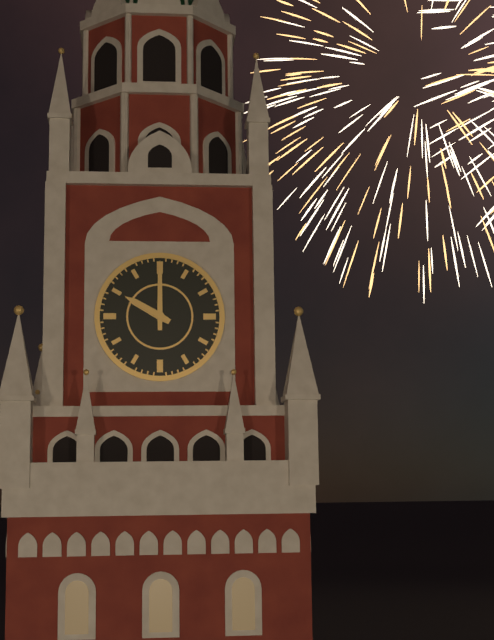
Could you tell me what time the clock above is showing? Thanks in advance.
10:00
